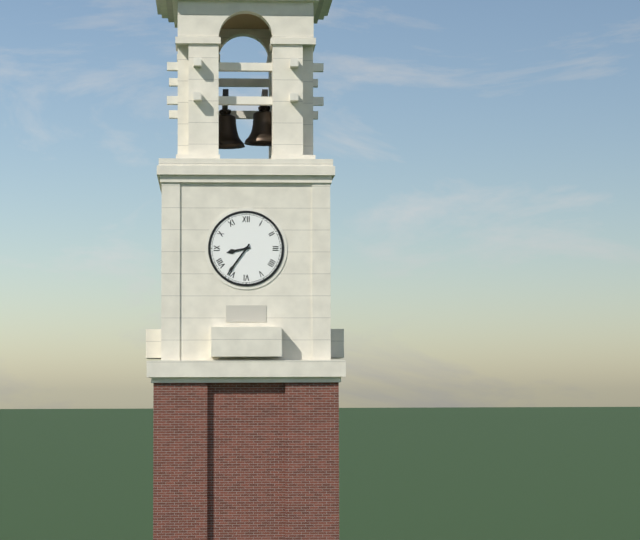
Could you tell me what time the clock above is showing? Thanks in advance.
8:36
